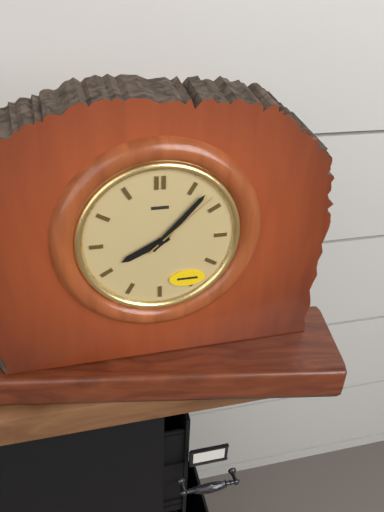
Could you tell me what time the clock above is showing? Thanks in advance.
8:07:08
